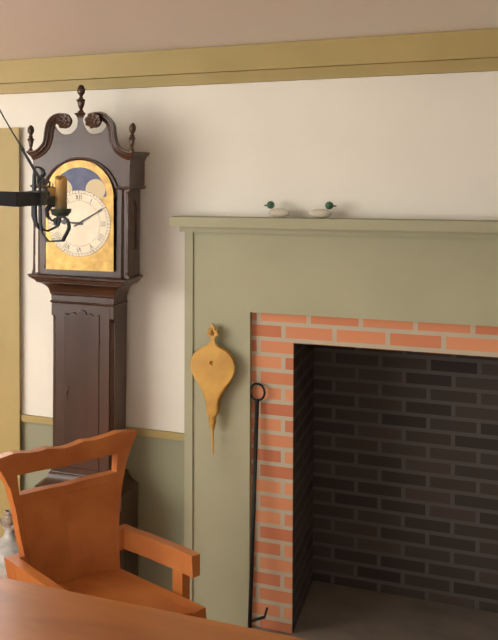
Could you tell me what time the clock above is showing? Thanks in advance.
9:10
